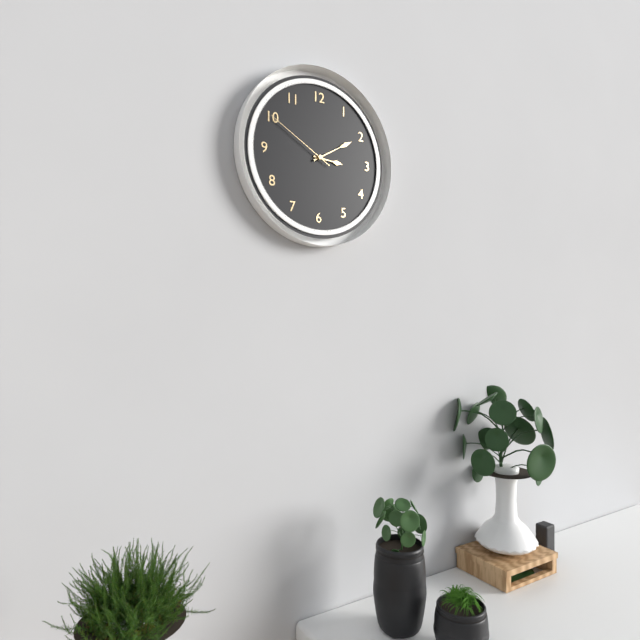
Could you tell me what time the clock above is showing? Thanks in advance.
3:10:50
